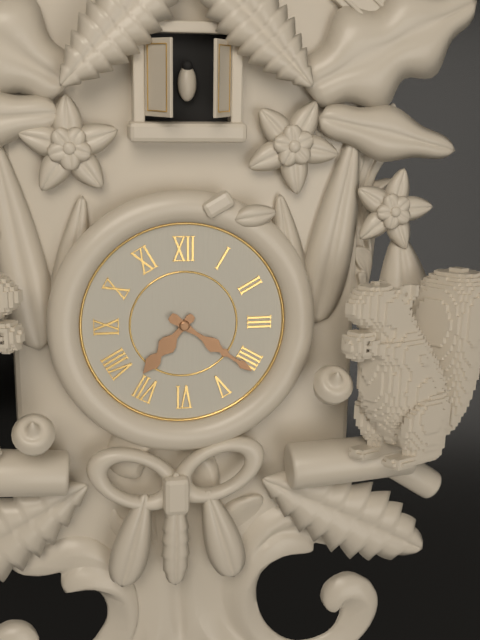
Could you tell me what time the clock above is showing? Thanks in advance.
7:21
